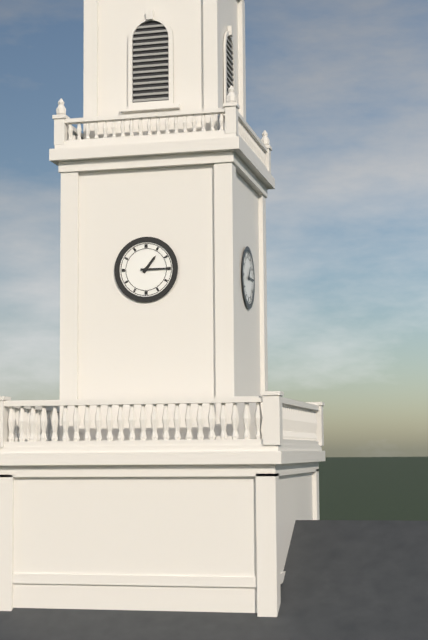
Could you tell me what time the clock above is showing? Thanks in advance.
1:15
